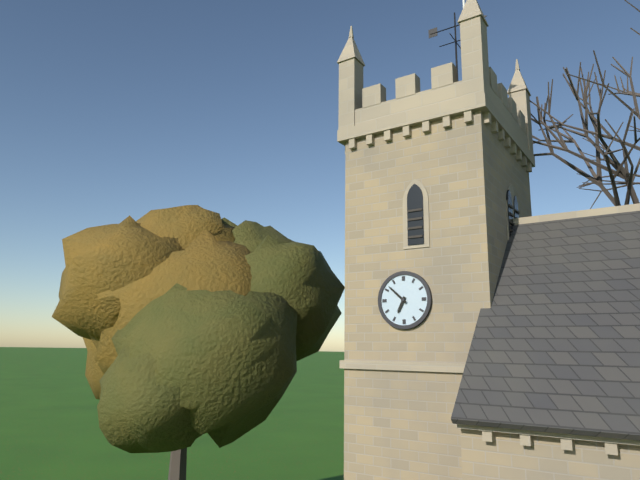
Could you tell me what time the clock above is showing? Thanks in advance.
6:52
